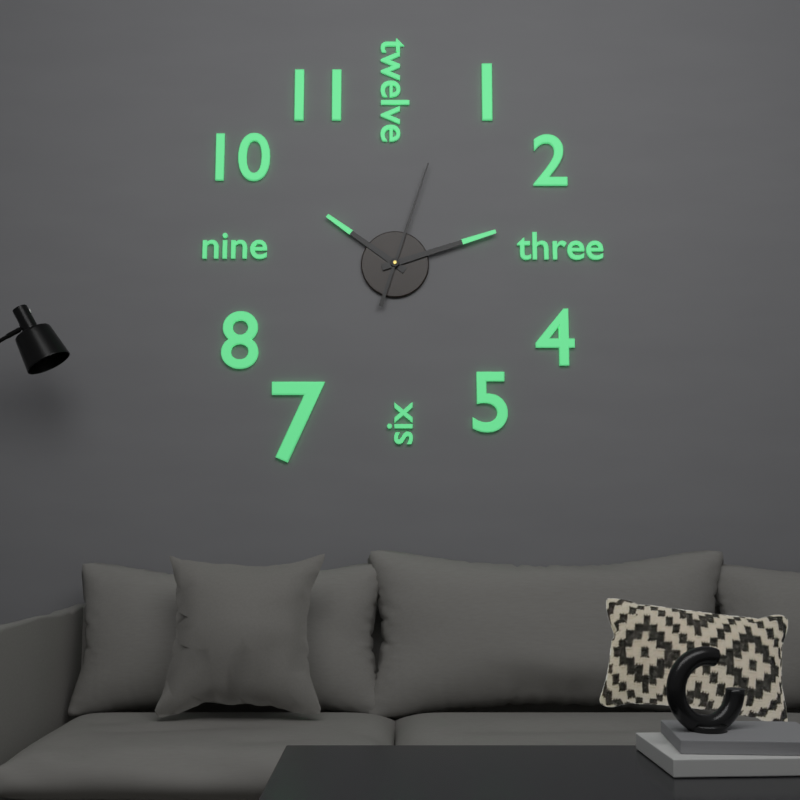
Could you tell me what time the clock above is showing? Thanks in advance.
10:12:03
